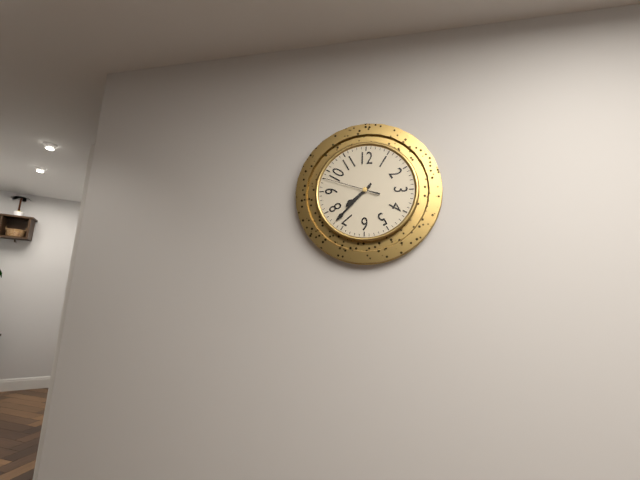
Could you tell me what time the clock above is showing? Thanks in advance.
7:37:48
